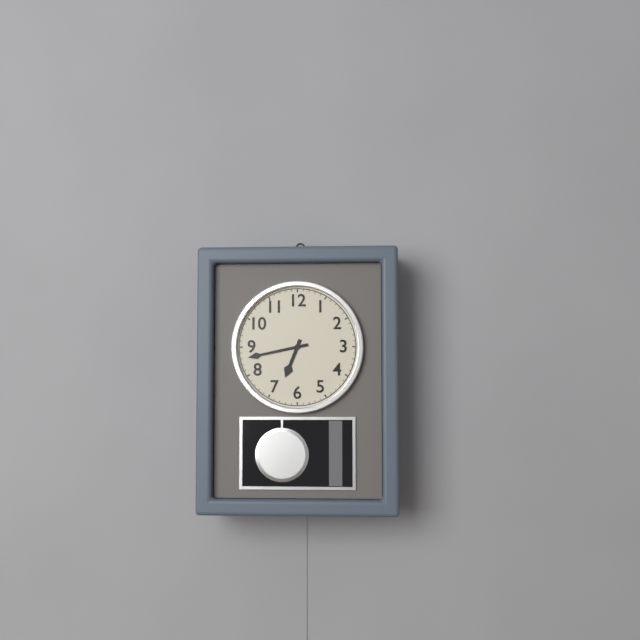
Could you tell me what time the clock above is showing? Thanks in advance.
6:43
